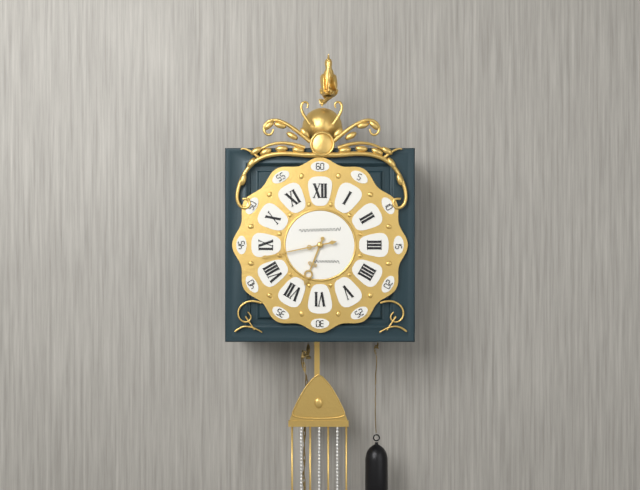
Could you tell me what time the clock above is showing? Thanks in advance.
6:43
